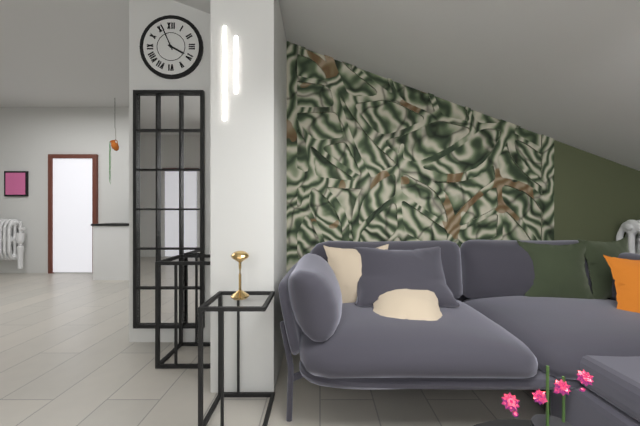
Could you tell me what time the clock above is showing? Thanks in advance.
3:56
